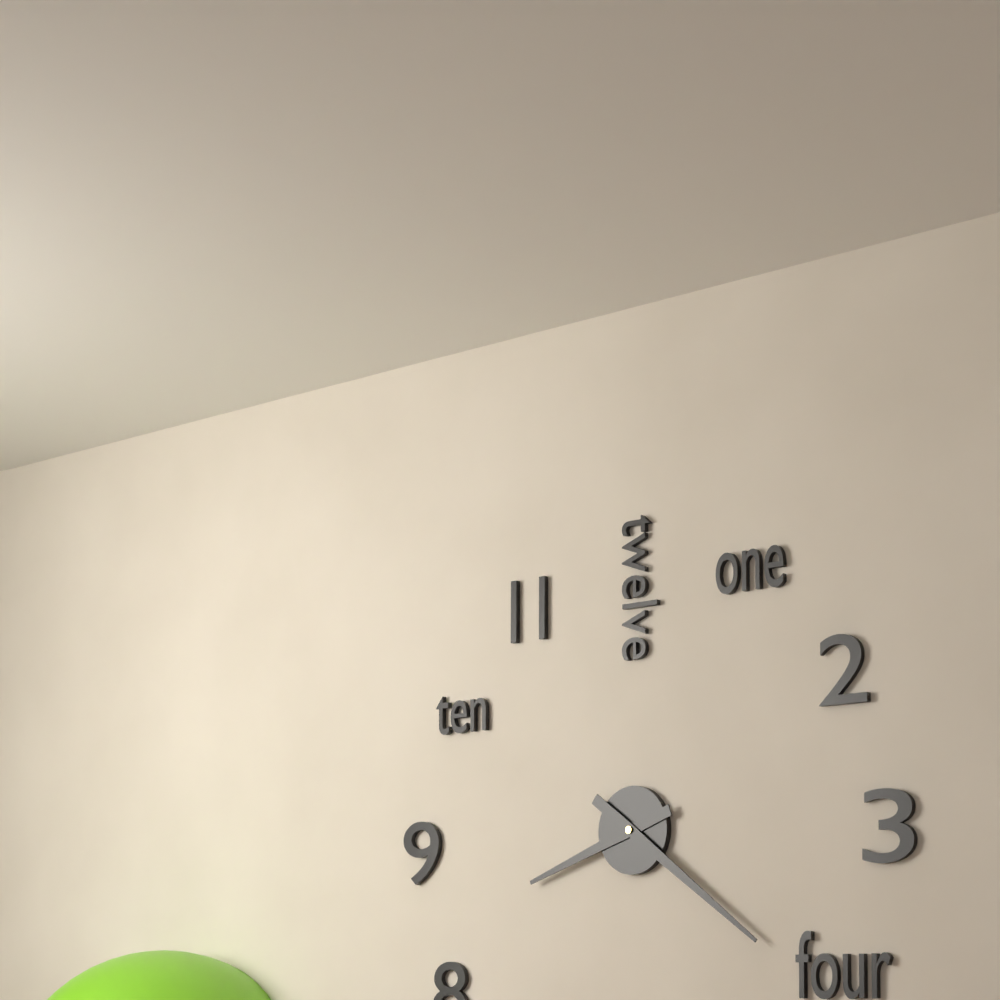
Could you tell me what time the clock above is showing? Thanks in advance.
8:21
